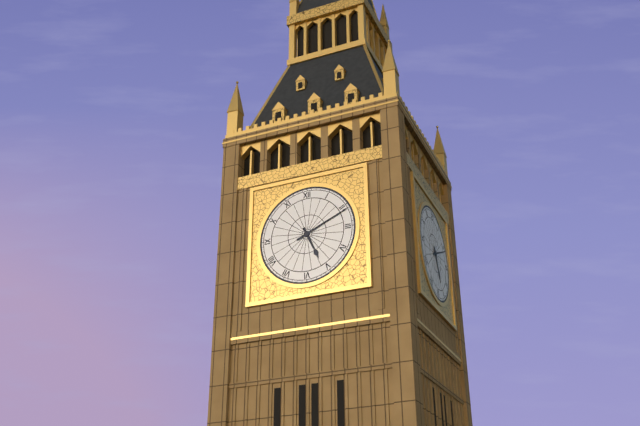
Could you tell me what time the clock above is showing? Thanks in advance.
5:11
